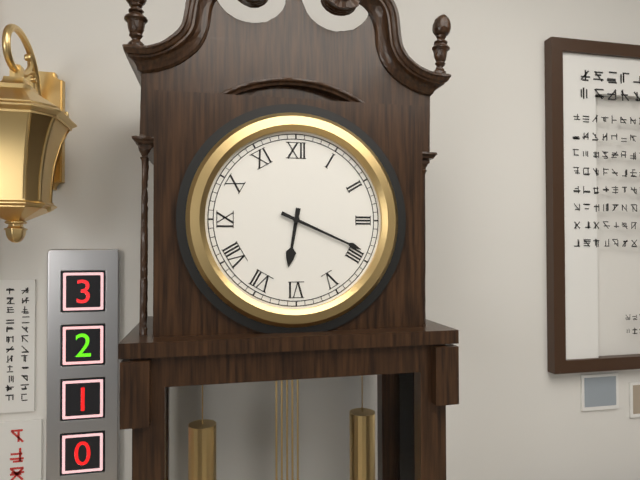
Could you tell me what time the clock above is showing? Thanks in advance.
6:19
